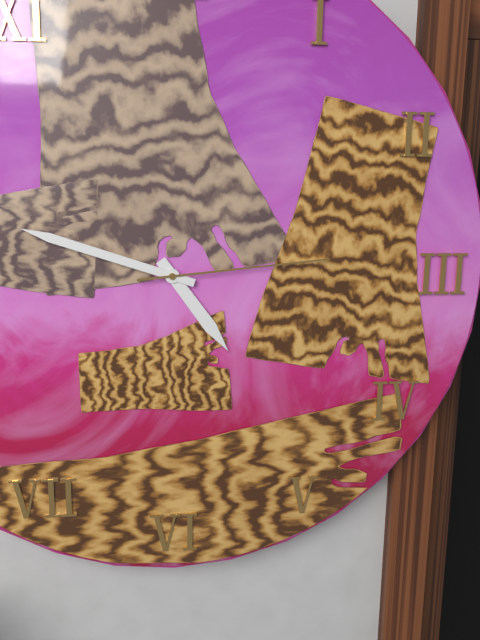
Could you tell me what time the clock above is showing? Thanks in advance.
4:48:14
